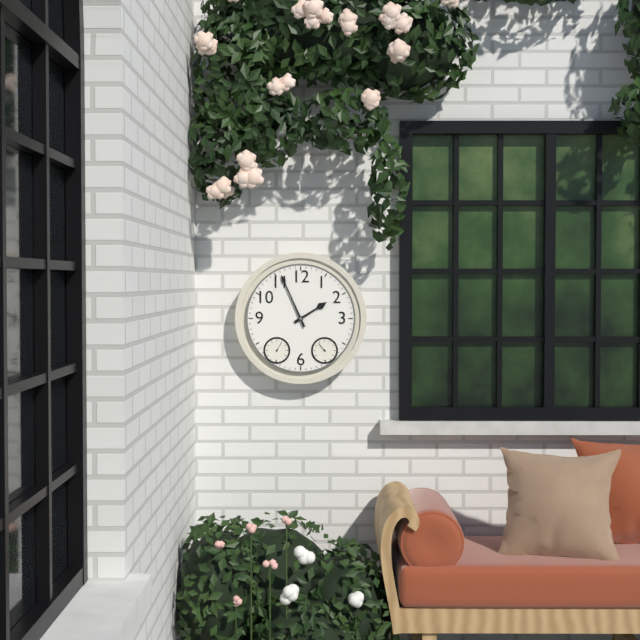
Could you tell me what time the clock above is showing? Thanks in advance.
1:56
